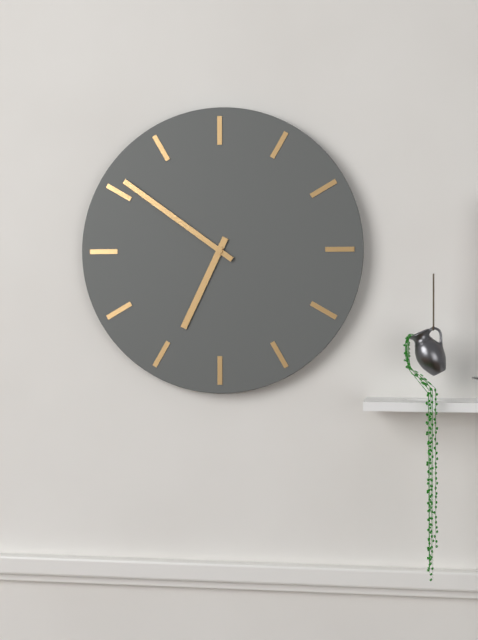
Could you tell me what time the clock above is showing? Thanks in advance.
6:51
